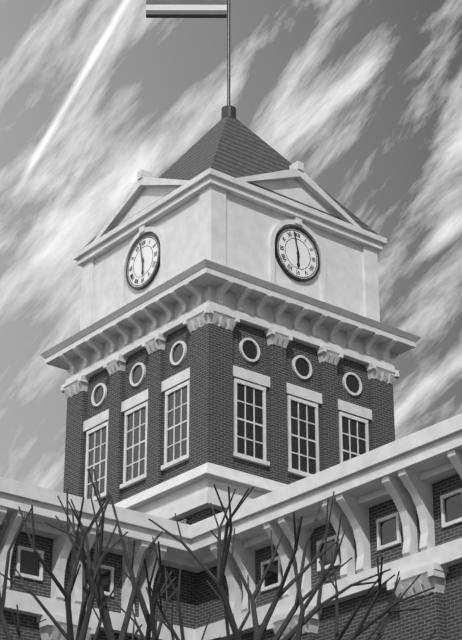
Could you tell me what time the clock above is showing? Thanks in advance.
5:58
